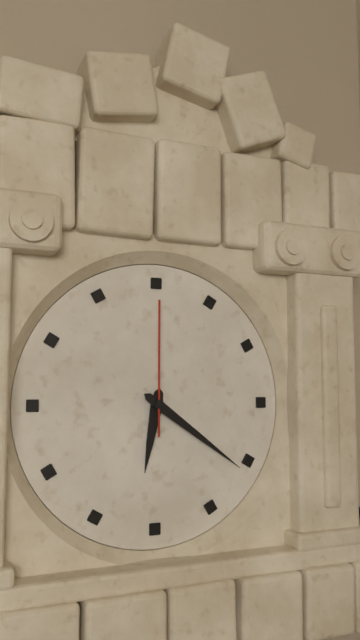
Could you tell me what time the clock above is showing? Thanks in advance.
6:21:00
